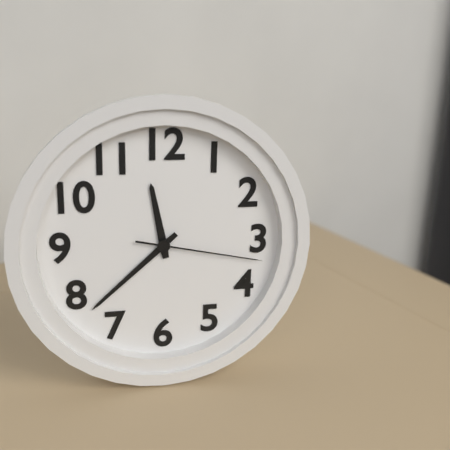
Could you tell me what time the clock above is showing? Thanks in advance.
11:38:17
